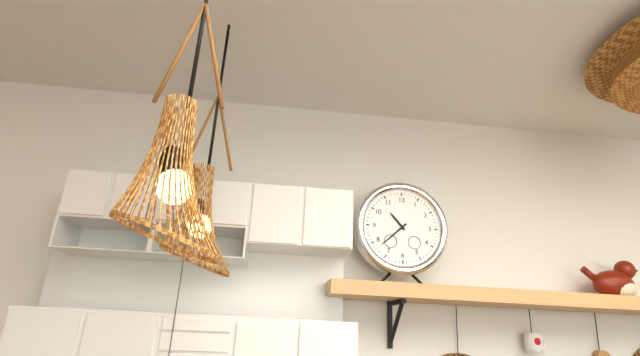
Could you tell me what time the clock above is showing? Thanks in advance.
10:38
